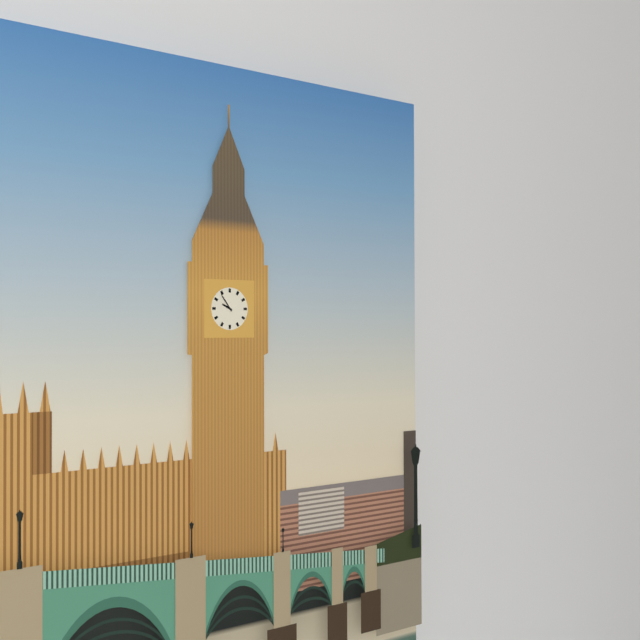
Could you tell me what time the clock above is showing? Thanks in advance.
9:54
